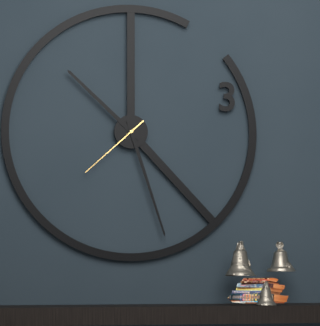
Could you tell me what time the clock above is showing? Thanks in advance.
10:27:38
